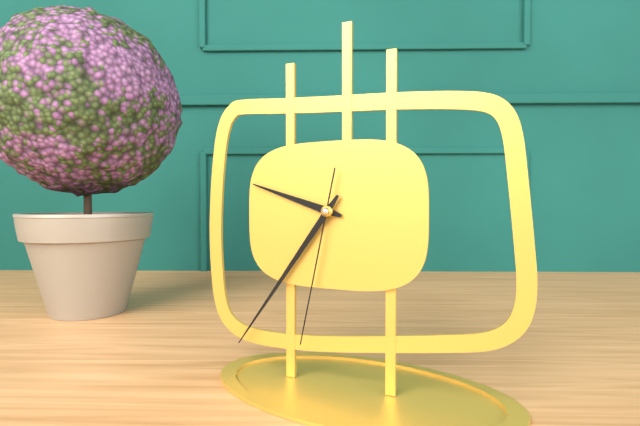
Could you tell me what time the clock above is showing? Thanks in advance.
9:36:32
